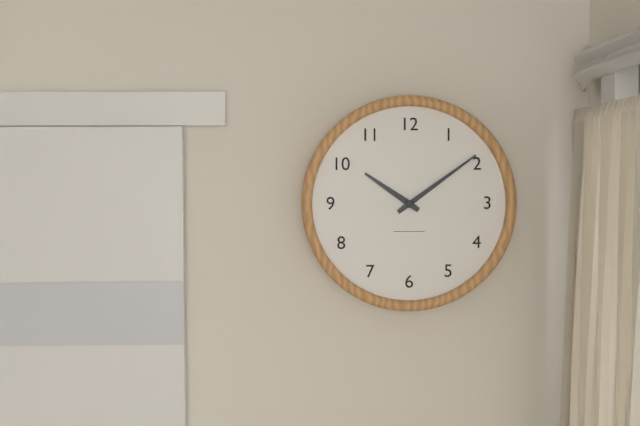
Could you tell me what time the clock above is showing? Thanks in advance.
10:09
